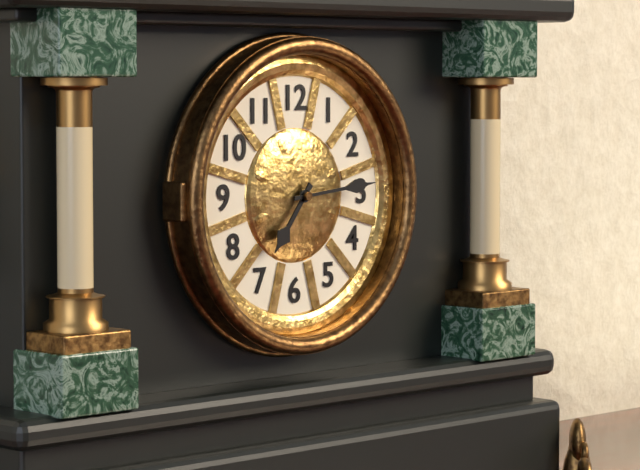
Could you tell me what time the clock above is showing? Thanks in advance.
7:14
